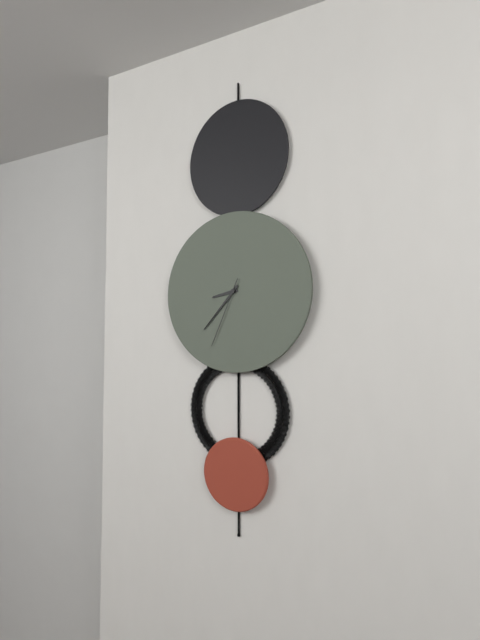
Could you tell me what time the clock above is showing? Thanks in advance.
8:37:34
